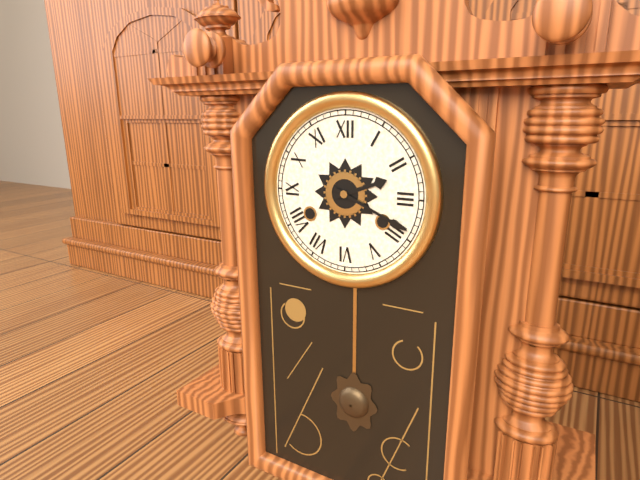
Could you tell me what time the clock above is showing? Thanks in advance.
2:19
